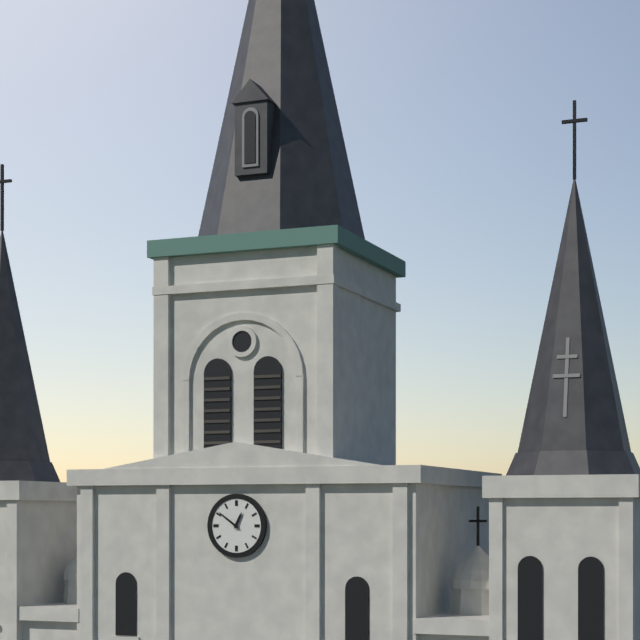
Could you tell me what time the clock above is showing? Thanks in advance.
12:51
